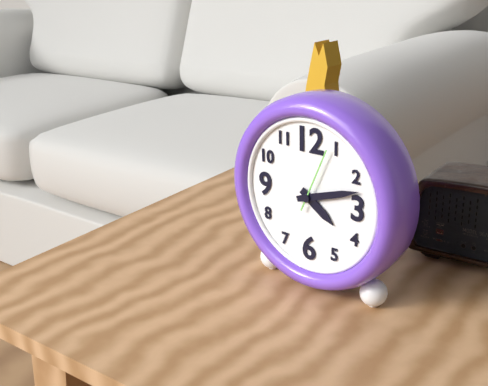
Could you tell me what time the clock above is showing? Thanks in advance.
4:12:04
